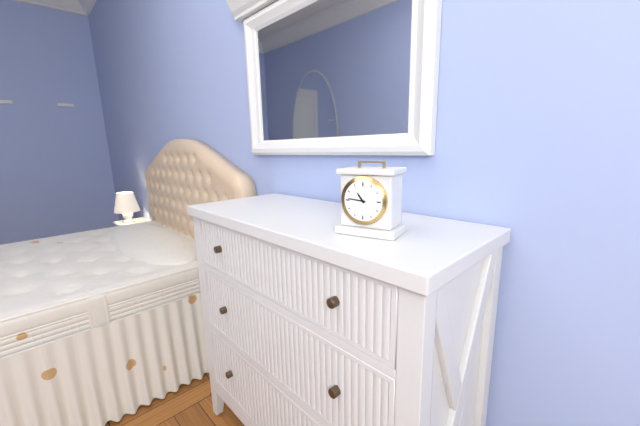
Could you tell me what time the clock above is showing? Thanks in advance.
10:46
